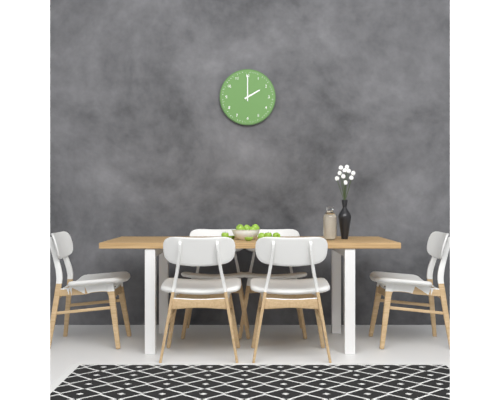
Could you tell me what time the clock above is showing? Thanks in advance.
2:00
